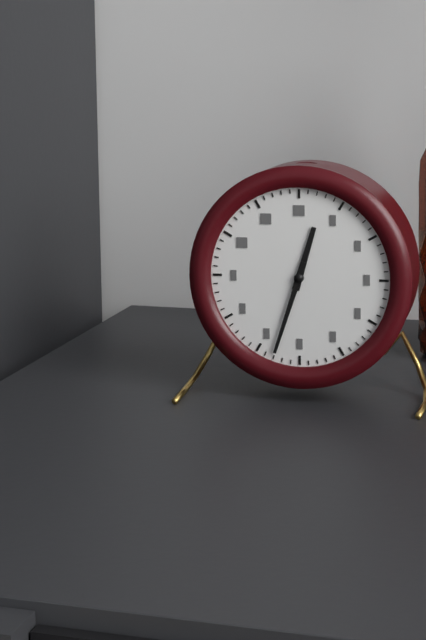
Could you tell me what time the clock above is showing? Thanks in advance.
12:33
